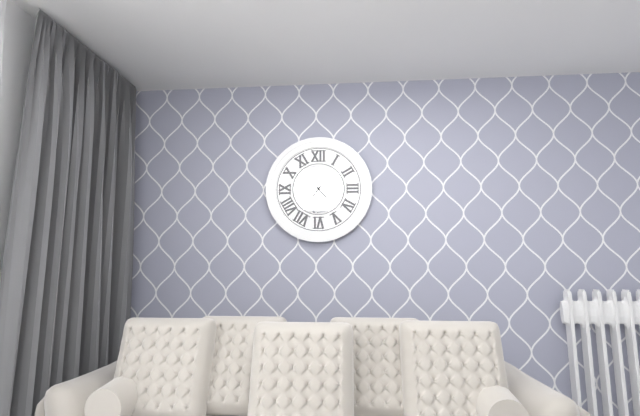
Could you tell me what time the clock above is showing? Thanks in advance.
4:36
